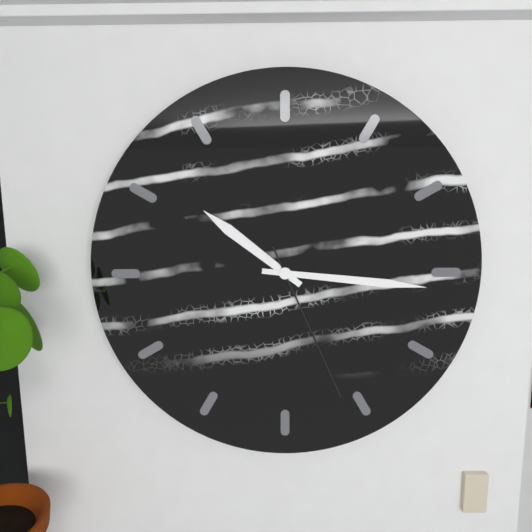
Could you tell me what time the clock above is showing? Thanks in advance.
10:16:26
